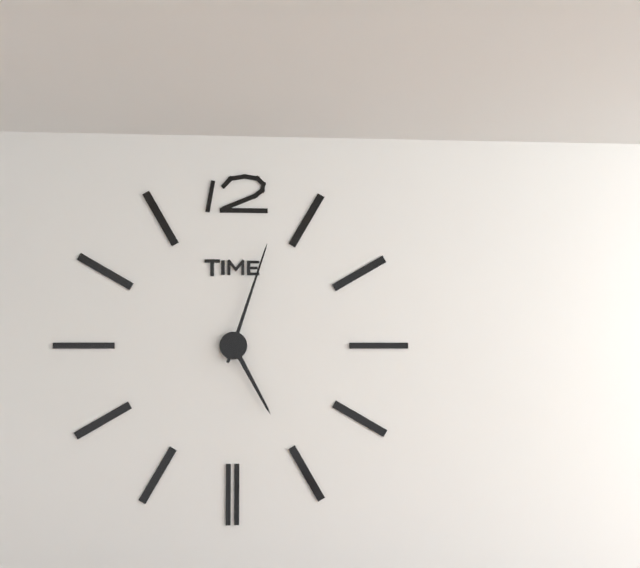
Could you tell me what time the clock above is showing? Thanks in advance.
5:03
